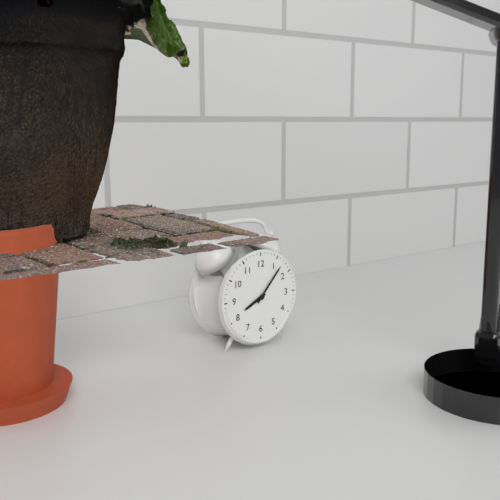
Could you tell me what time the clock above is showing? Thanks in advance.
8:07
